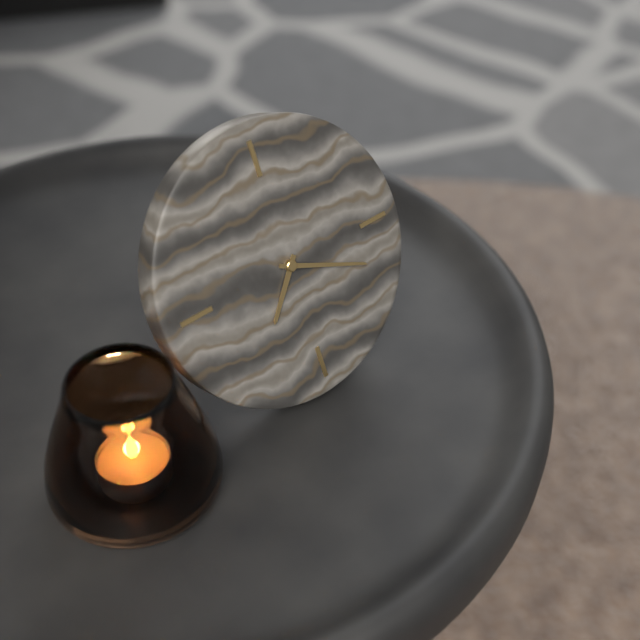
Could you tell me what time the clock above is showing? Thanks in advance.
7:19
